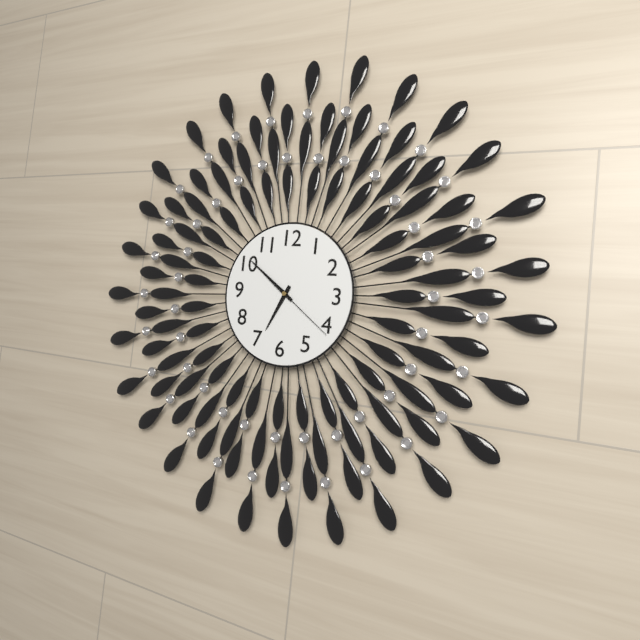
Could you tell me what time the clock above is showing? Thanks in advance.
6:51:21
